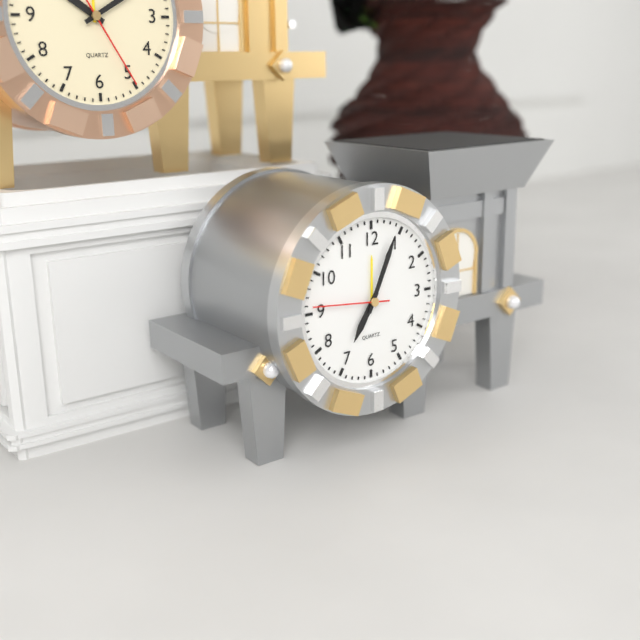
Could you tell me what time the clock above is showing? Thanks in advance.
7:04:46
